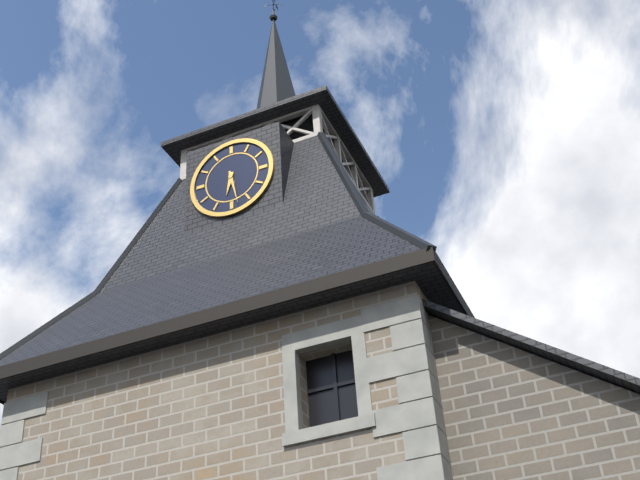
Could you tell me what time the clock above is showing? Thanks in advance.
6:28
